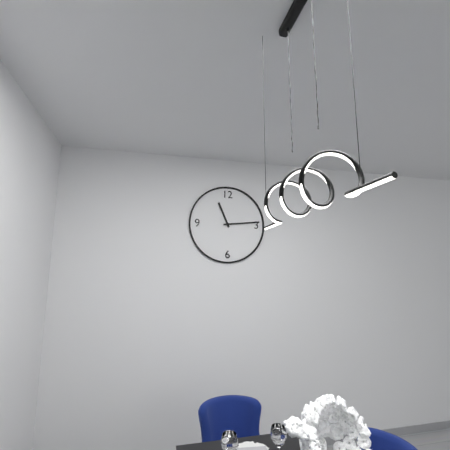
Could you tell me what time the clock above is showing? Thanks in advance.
11:14
